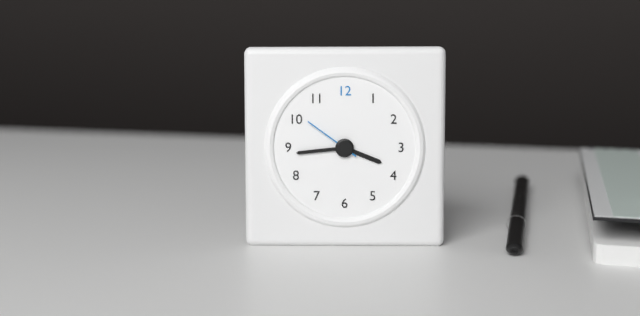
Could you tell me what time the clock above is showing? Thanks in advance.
3:44:51
